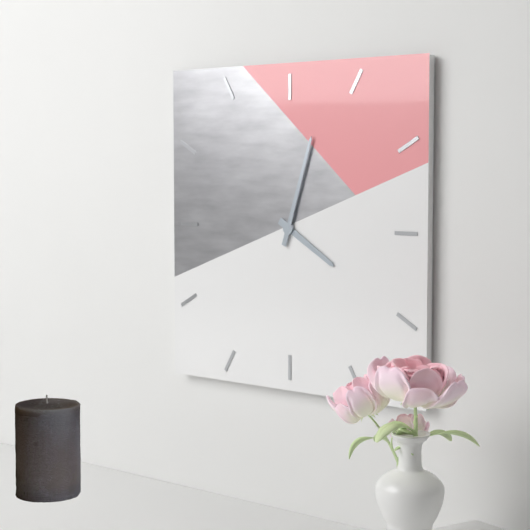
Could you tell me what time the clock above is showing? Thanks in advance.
4:03
